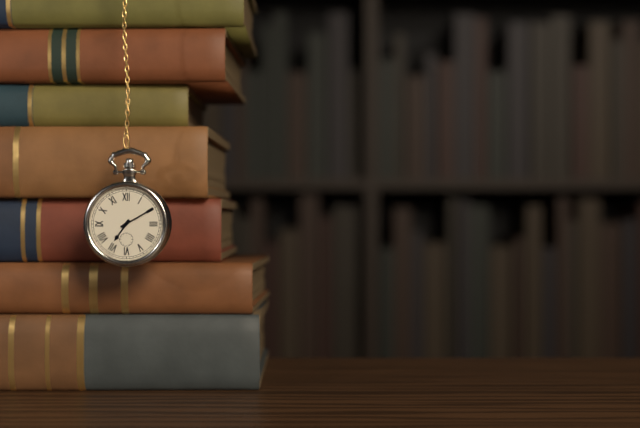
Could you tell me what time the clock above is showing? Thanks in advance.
7:10
